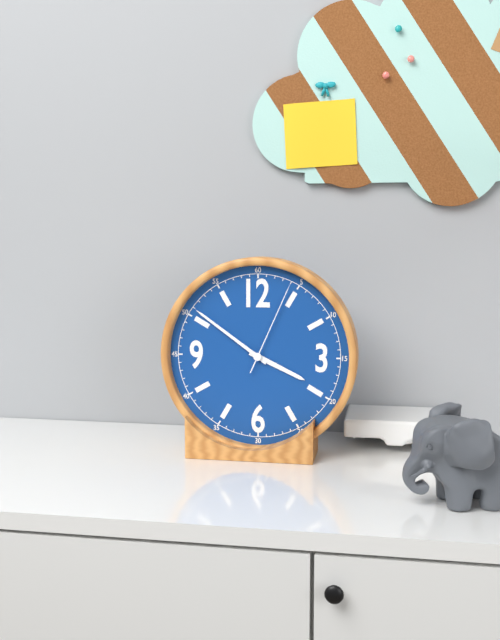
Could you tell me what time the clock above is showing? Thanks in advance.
3:51:04
